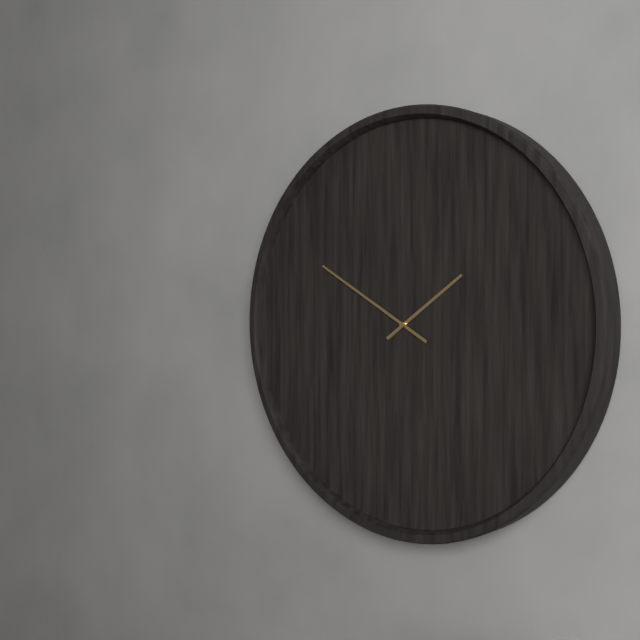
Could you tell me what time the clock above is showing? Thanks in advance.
1:50
